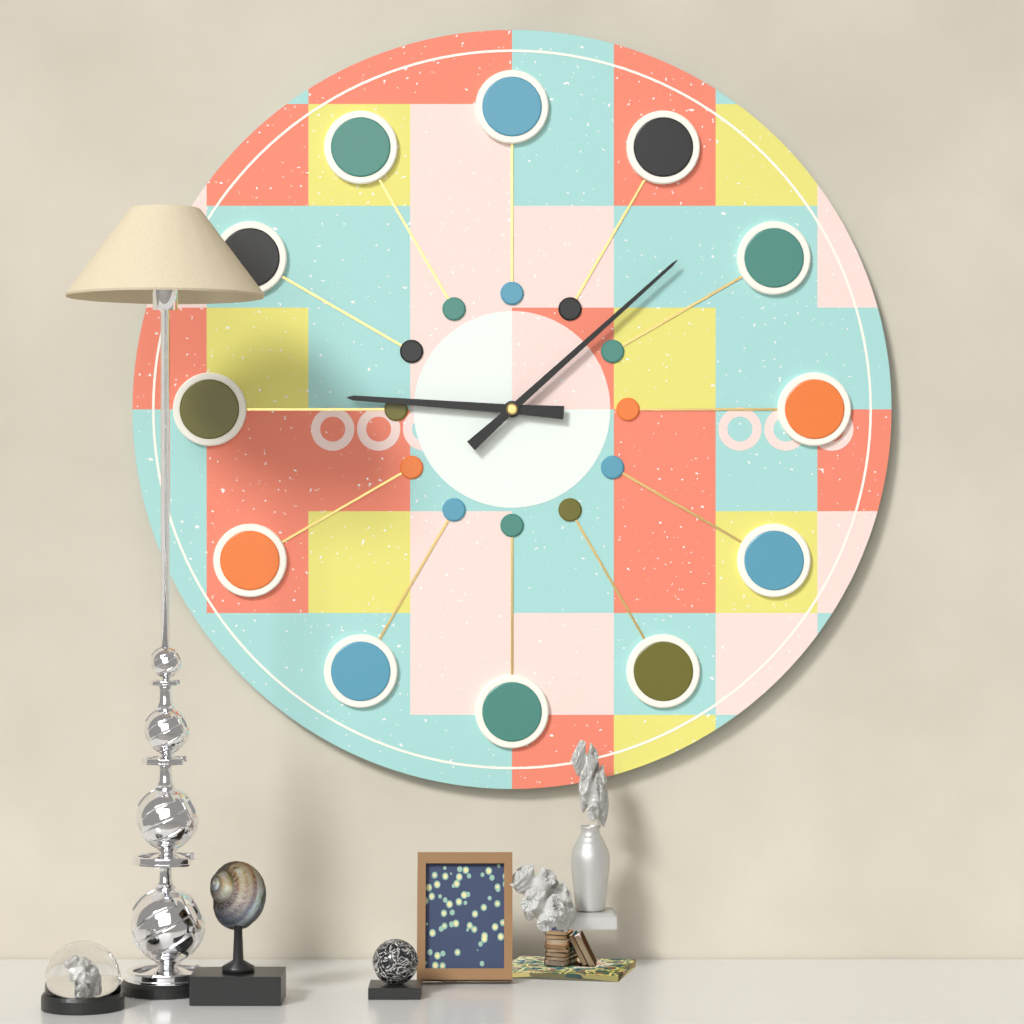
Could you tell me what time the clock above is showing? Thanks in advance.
9:08
